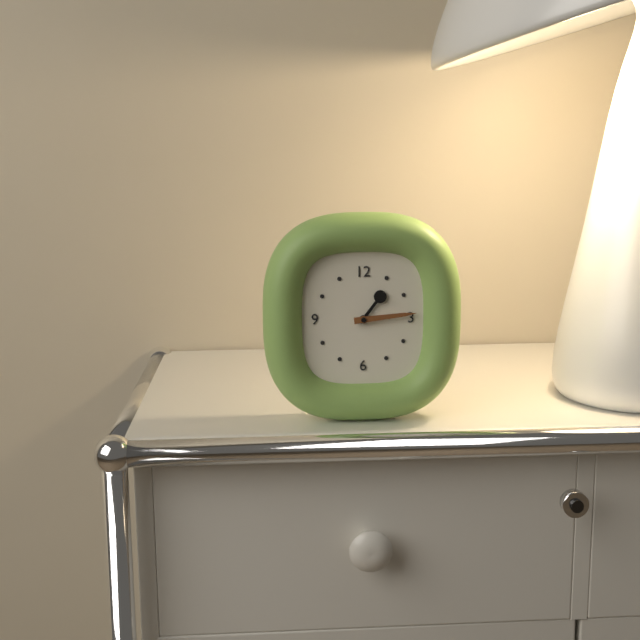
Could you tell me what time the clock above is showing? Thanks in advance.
1:14
